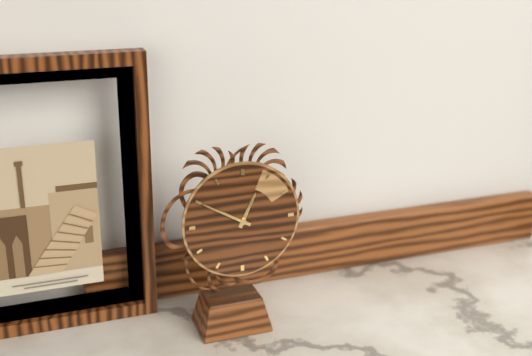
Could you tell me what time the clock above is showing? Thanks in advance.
12:50
